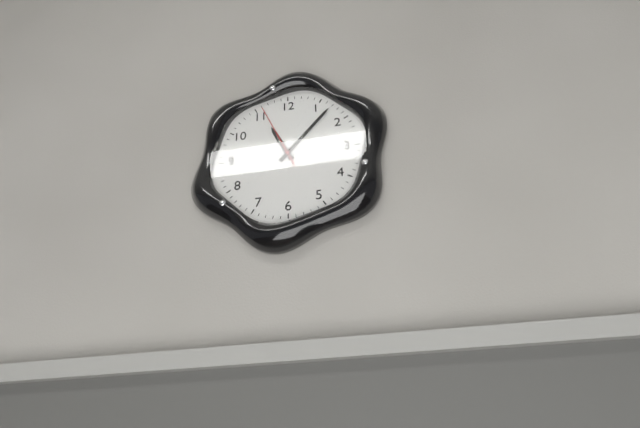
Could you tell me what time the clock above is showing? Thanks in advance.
11:07:56
